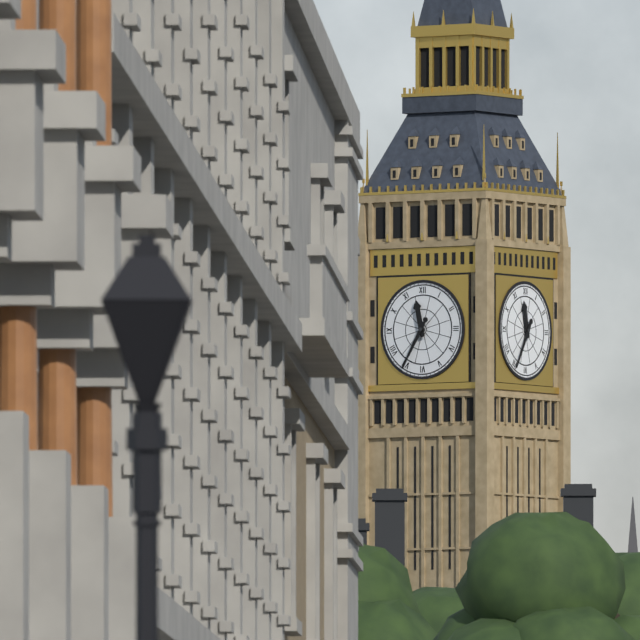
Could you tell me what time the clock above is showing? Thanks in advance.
11:35
